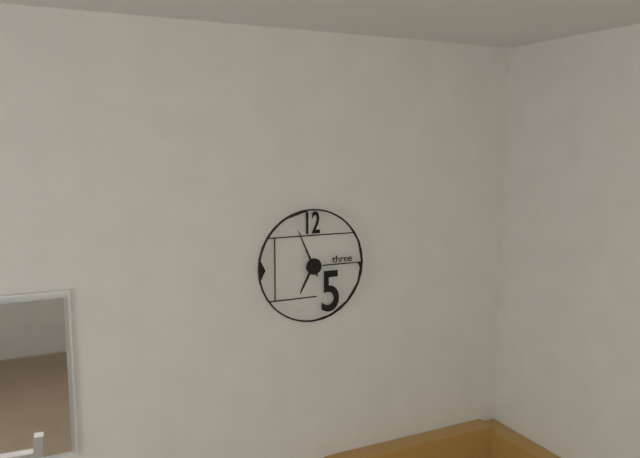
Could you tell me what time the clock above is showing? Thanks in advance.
6:56
